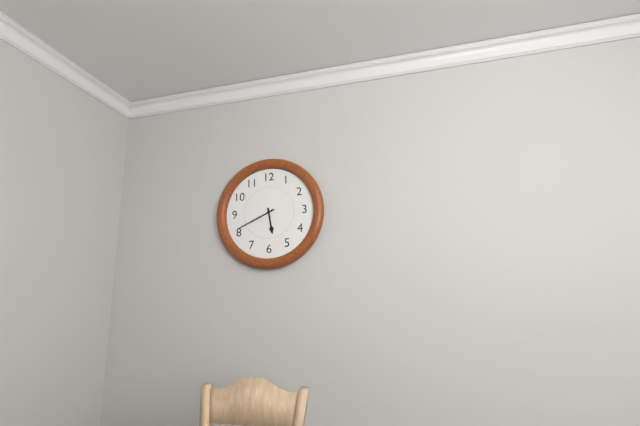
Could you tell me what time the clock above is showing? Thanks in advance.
5:41
